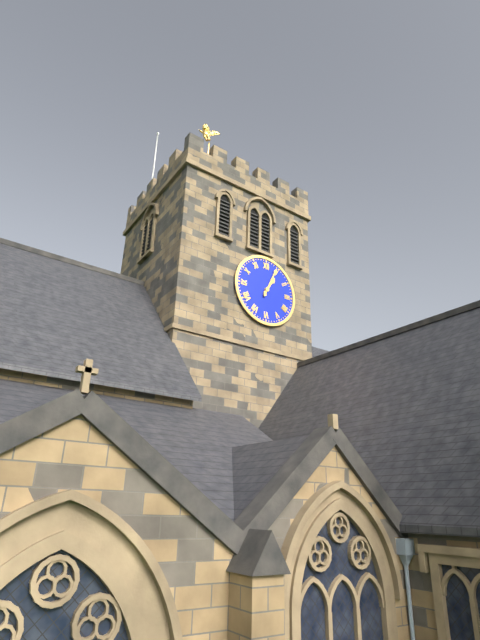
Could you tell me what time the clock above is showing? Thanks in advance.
1:04
